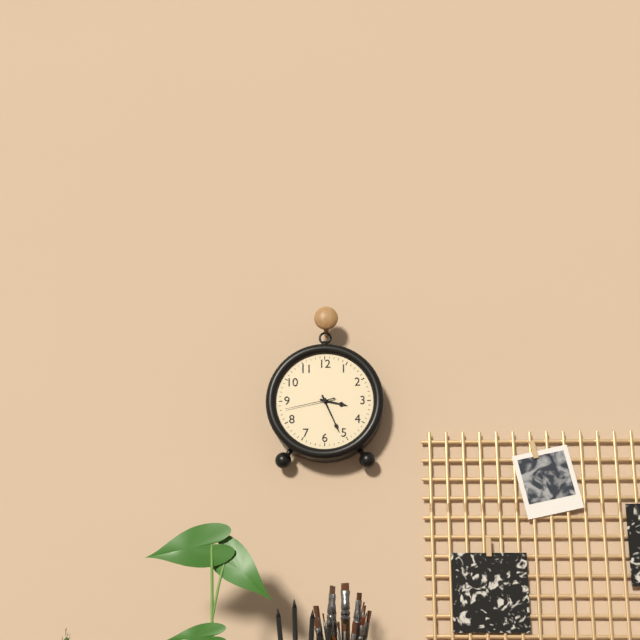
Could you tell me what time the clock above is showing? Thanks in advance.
3:26:43
